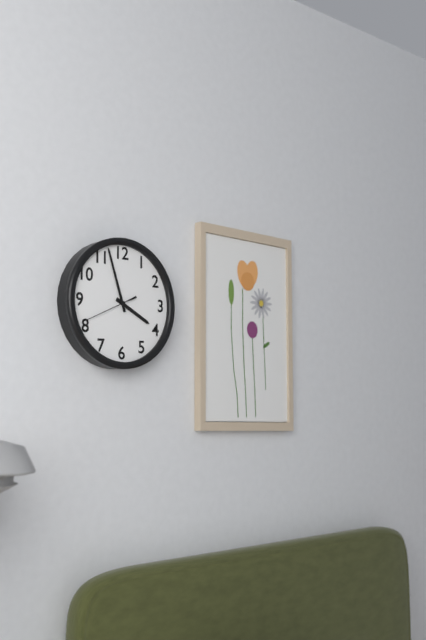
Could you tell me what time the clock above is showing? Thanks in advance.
3:57:41
